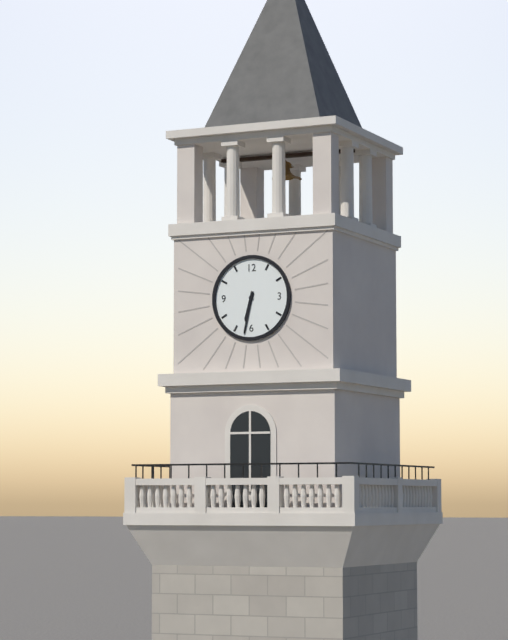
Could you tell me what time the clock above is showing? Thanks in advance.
6:32
